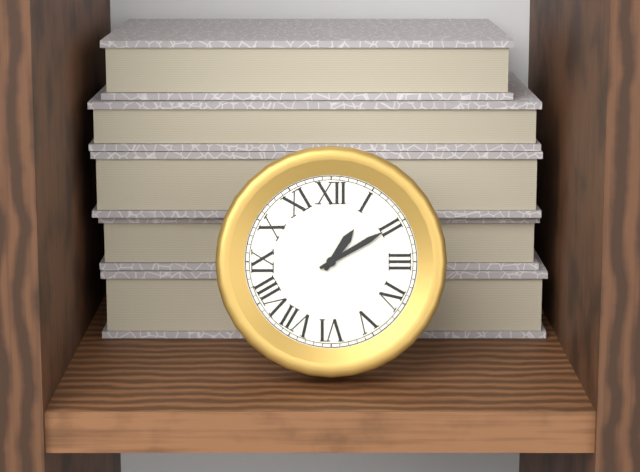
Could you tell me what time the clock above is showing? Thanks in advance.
1:10
